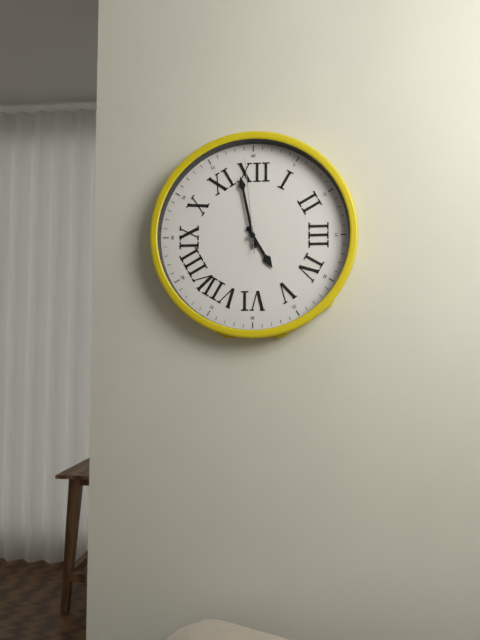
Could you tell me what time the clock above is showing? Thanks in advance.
4:58:59
